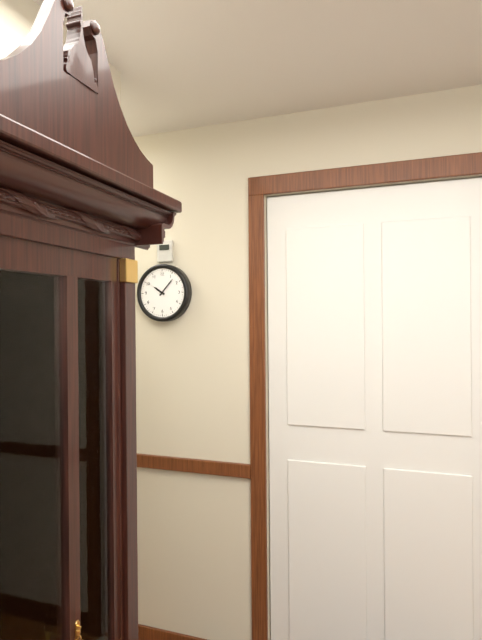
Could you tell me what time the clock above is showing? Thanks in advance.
10:07
